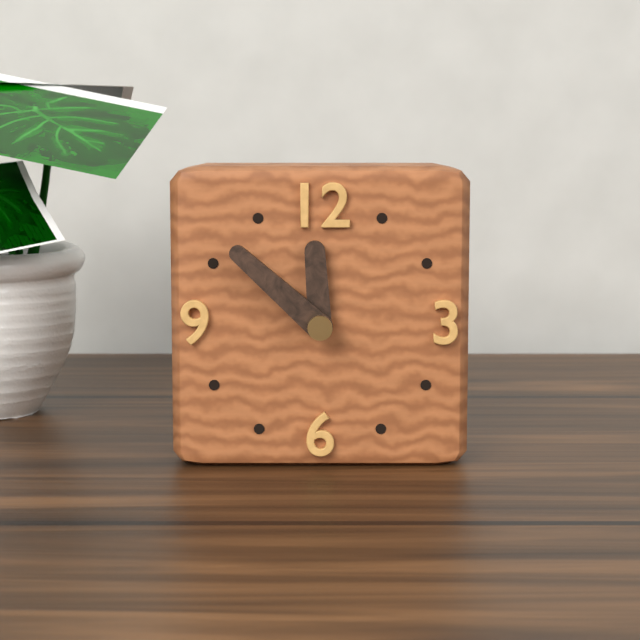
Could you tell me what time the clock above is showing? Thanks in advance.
11:52
